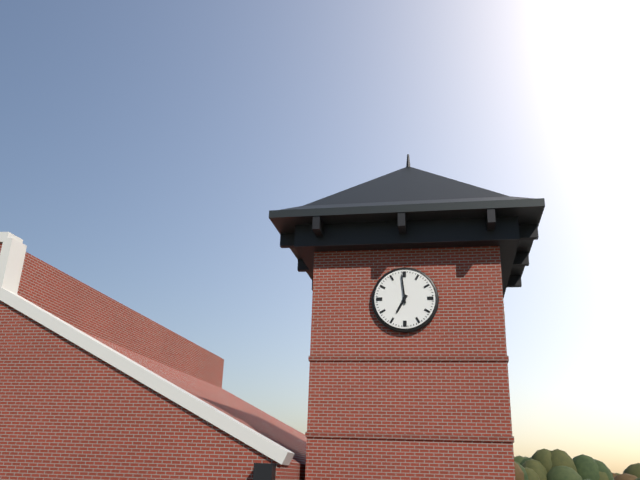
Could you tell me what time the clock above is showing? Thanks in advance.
6:59
